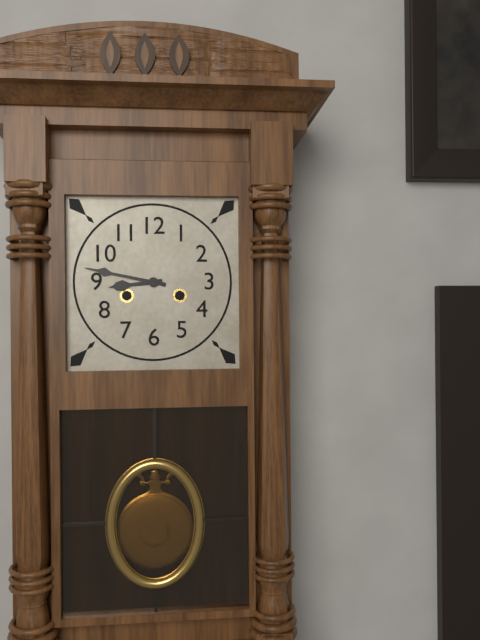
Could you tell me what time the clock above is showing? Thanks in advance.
8:47
